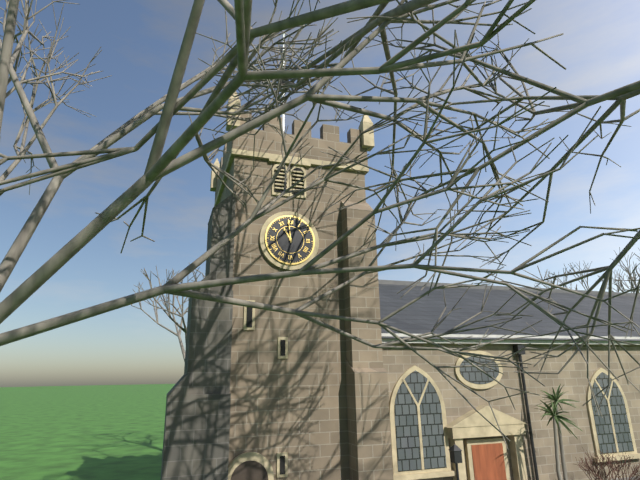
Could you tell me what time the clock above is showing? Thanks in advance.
10:59
